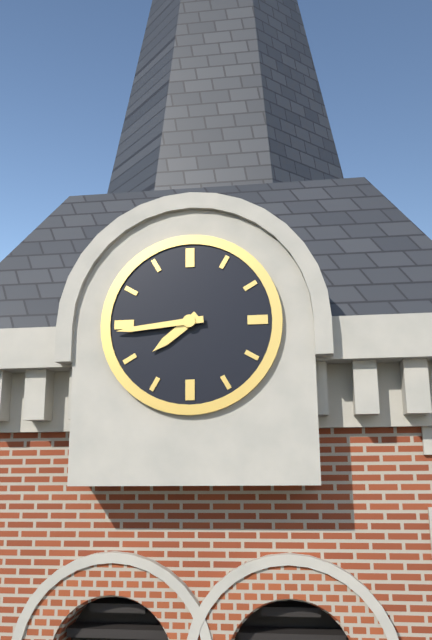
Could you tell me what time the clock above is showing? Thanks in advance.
7:44
